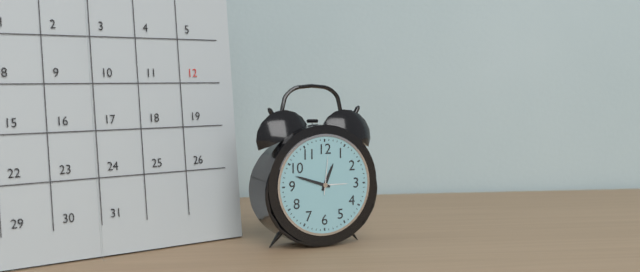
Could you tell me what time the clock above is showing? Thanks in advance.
12:48
